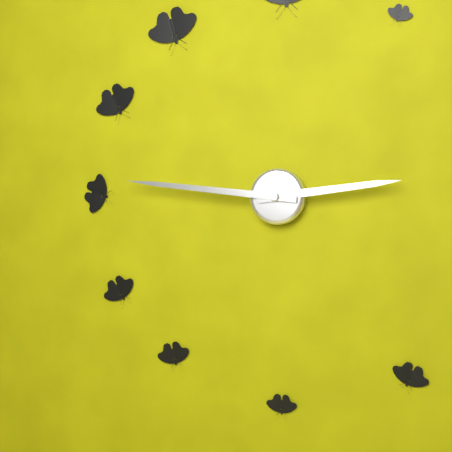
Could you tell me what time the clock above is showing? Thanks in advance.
2:46
